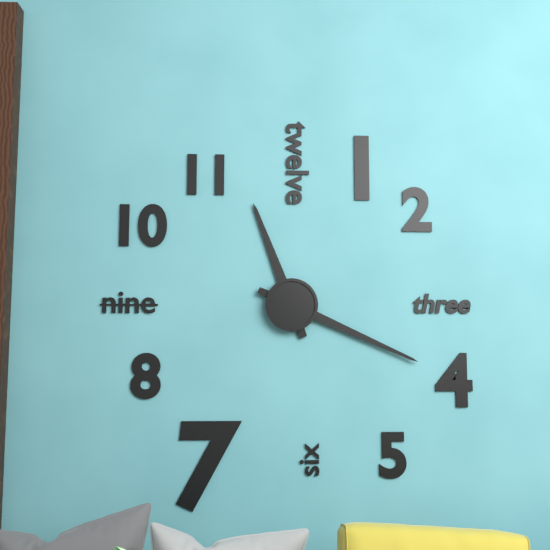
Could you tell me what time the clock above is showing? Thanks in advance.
11:19
